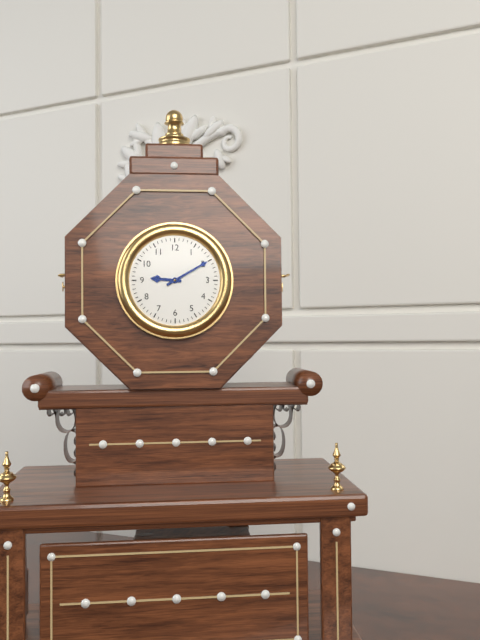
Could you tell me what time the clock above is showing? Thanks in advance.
9:10
